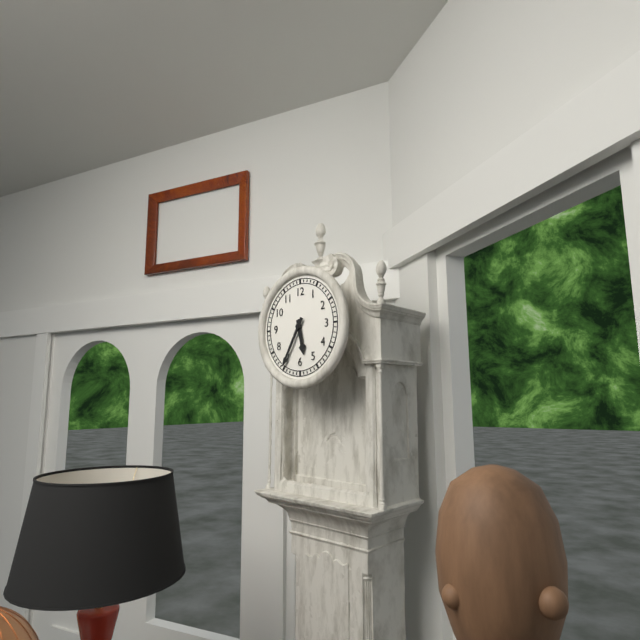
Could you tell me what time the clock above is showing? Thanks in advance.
5:35
